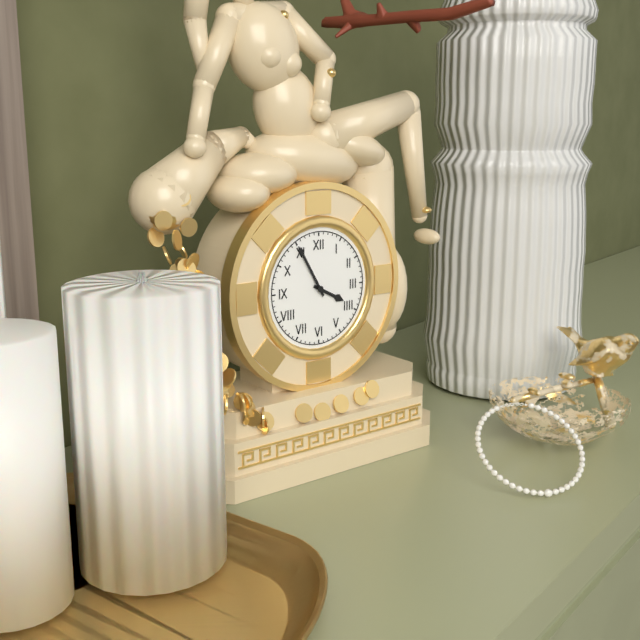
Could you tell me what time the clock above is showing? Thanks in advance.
3:55
